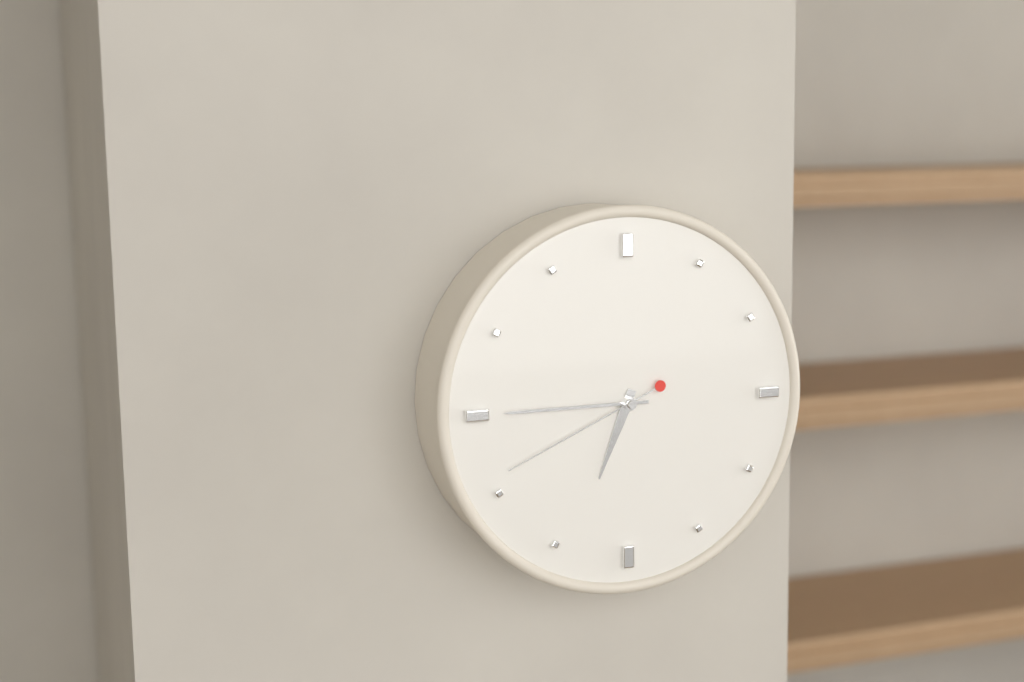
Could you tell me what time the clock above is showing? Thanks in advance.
6:45:41
